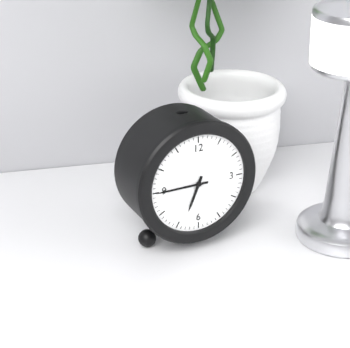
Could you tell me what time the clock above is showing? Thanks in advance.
6:45
